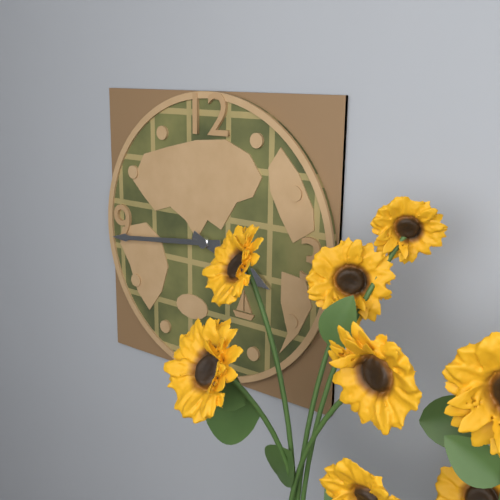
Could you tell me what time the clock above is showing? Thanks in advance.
3:44
